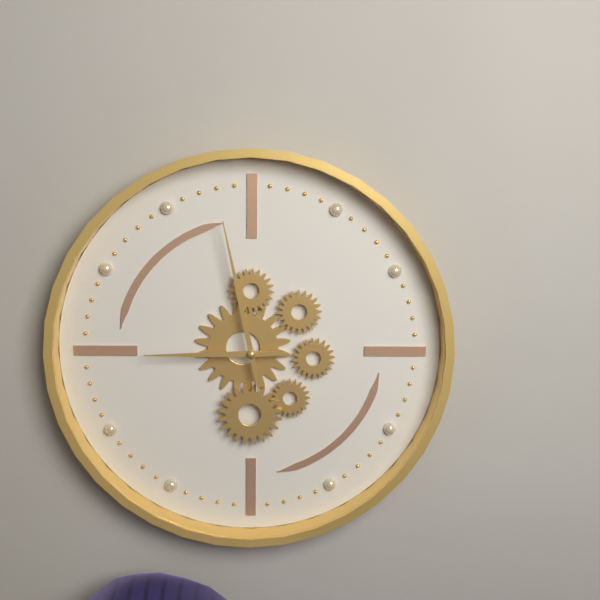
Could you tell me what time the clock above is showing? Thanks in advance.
8:58
